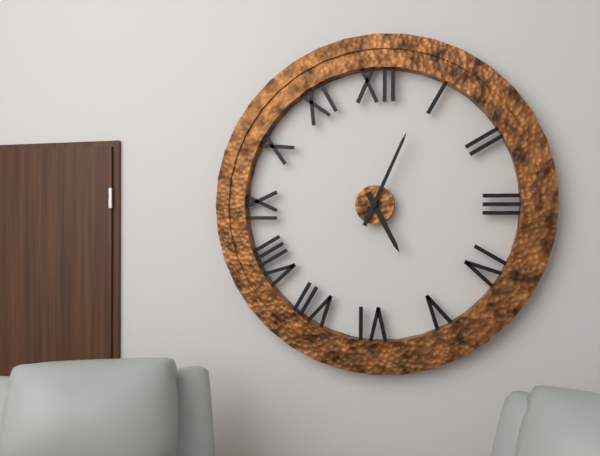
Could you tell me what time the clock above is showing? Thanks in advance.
5:04
